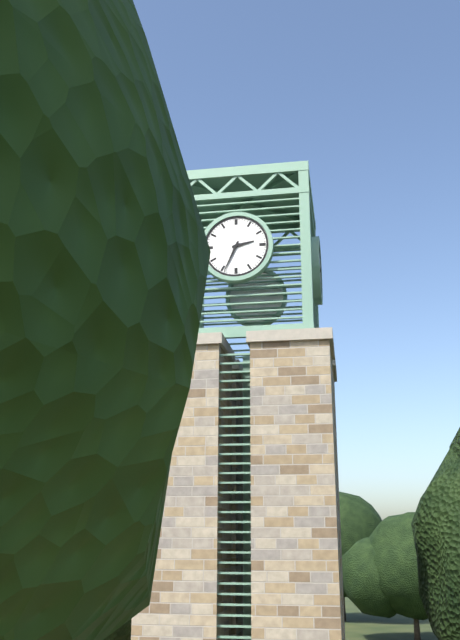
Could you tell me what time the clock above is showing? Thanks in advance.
2:34
